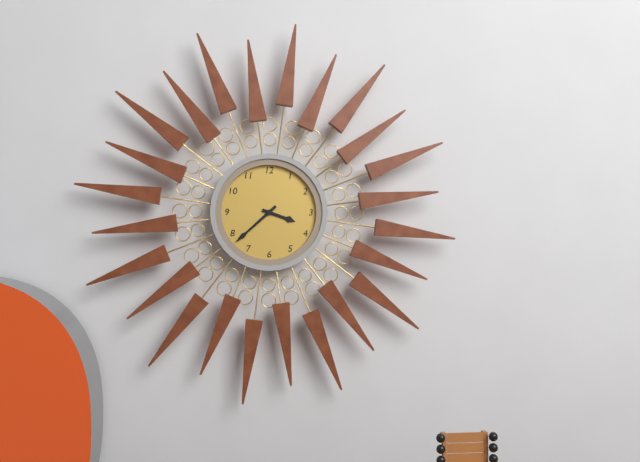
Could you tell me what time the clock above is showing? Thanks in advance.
3:38
